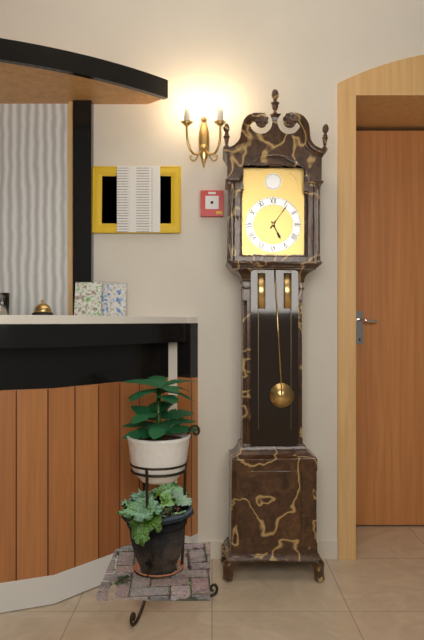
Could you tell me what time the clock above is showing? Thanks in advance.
5:06
